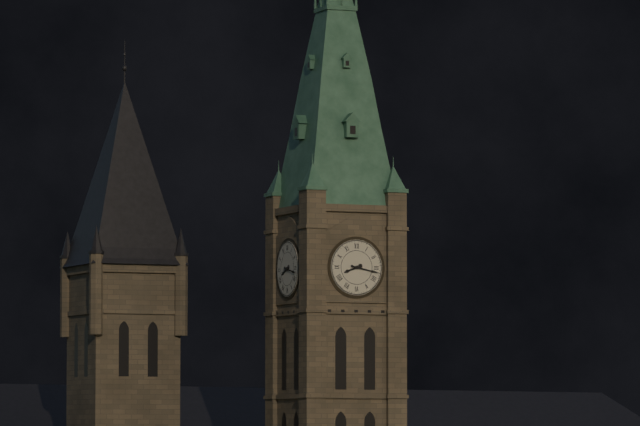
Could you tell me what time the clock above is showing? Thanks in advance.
8:17
